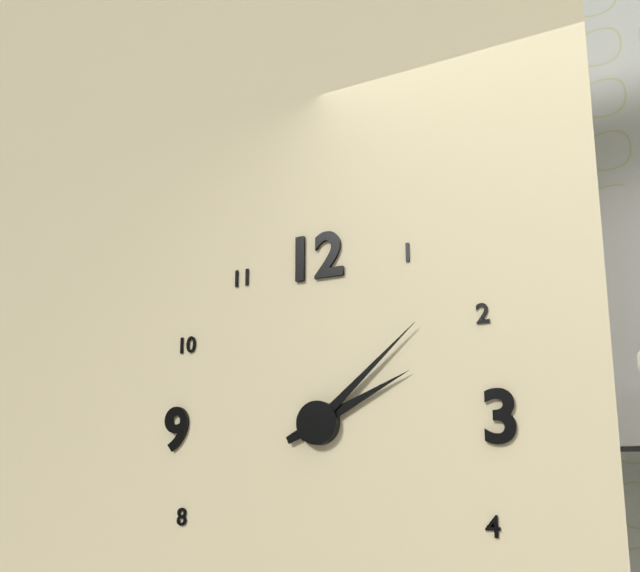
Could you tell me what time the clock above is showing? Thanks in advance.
2:08
